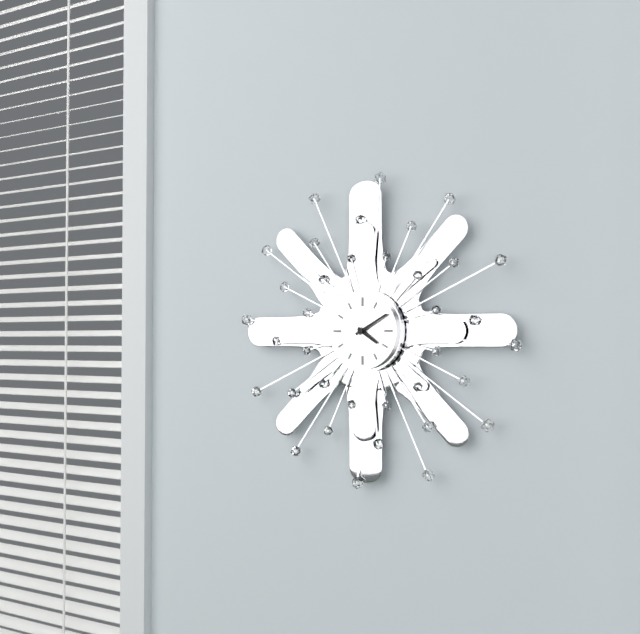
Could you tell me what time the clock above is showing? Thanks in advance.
4:10
